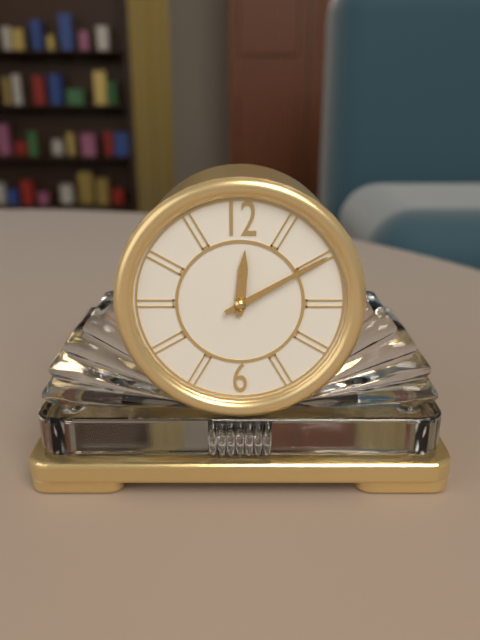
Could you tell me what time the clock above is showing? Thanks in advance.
12:10
